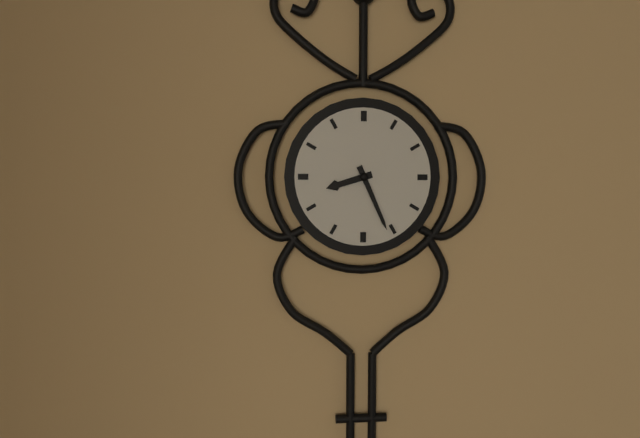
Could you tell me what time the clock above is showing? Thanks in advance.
8:26
